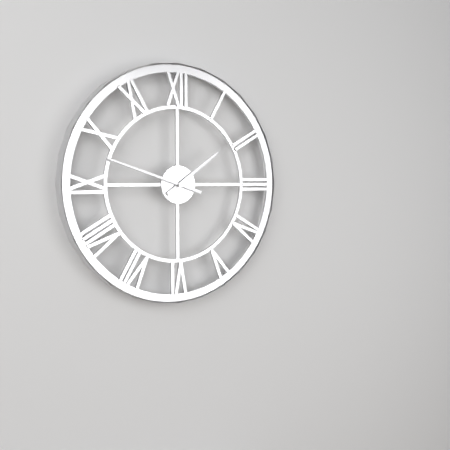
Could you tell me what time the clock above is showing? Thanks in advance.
1:48
